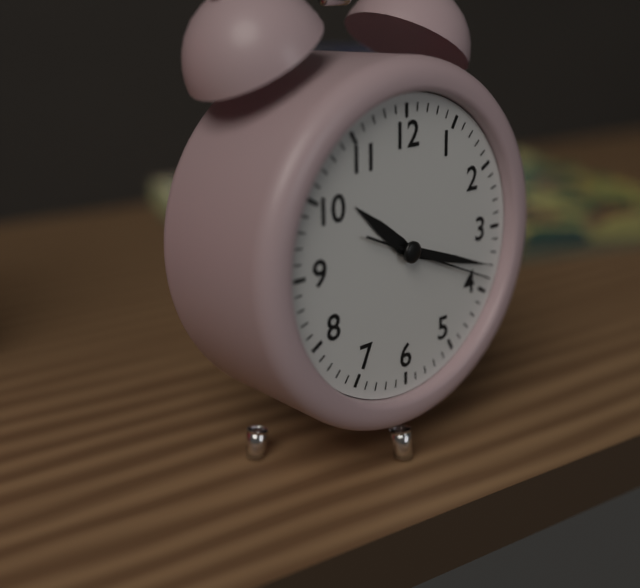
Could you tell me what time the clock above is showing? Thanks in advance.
10:18:19
